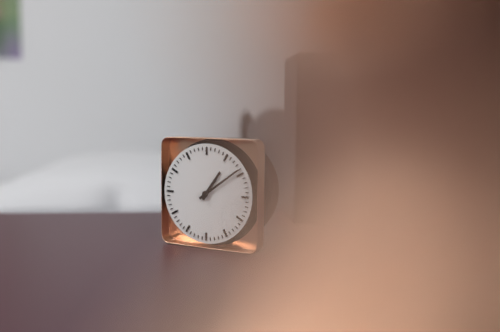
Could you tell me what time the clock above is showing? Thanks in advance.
1:09
